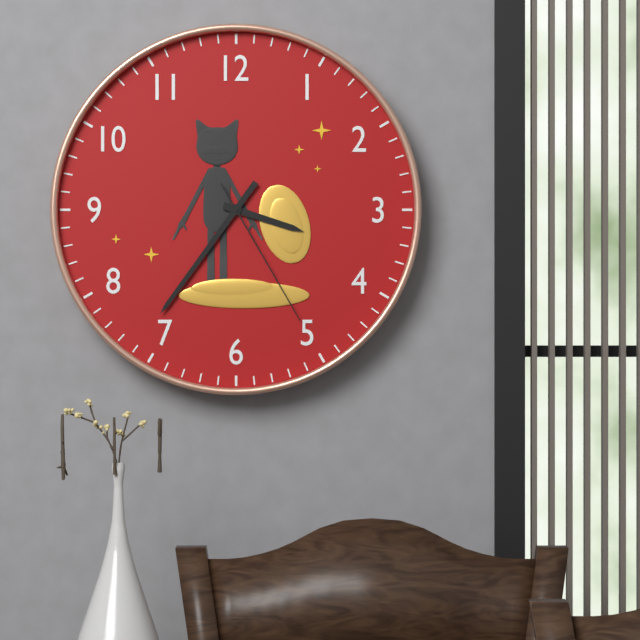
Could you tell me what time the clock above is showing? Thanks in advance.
3:36:25
